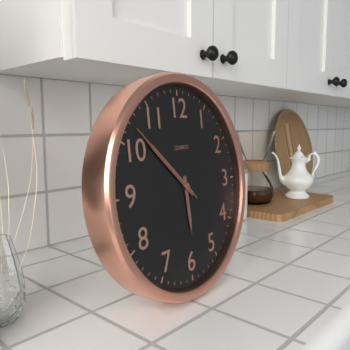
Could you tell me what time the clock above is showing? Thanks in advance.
5:52:52
